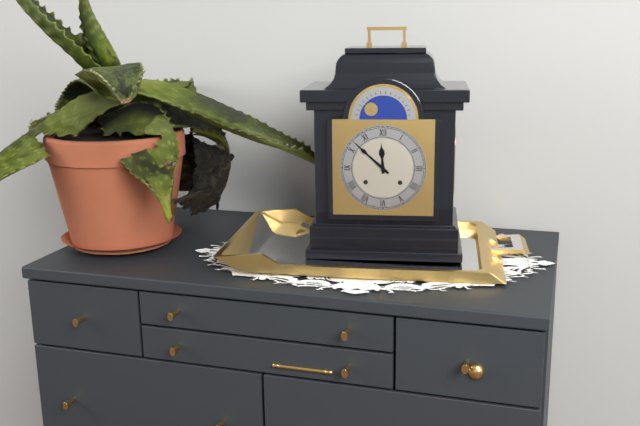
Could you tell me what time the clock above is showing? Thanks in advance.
11:52
